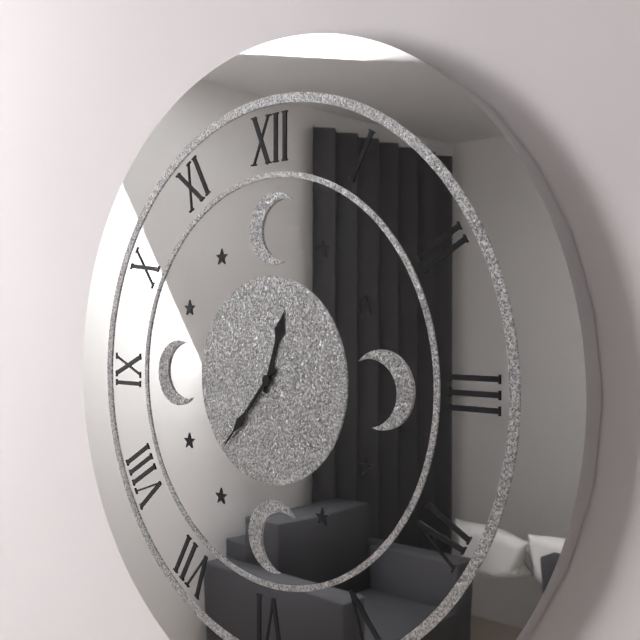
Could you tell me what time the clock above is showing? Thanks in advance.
12:37
